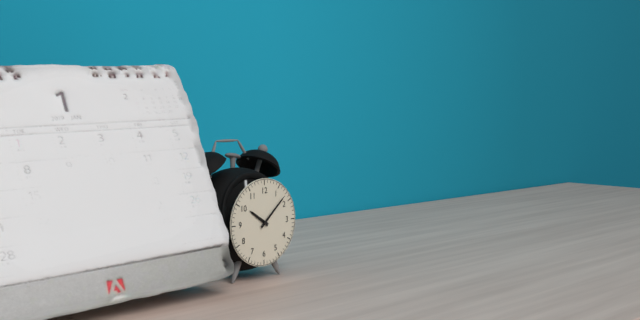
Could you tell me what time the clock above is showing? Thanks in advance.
10:08
